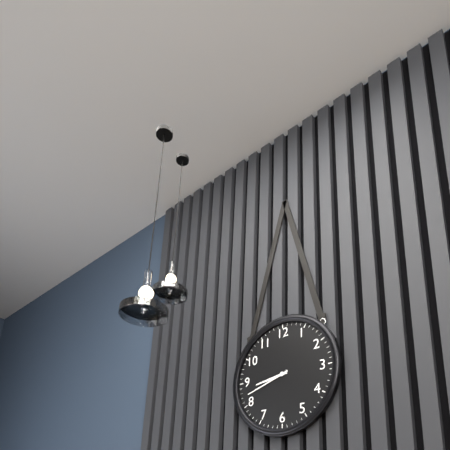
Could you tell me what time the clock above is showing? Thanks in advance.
8:42
